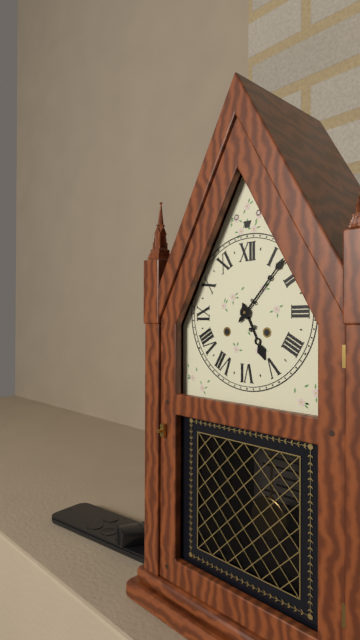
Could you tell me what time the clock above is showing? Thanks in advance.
5:07
